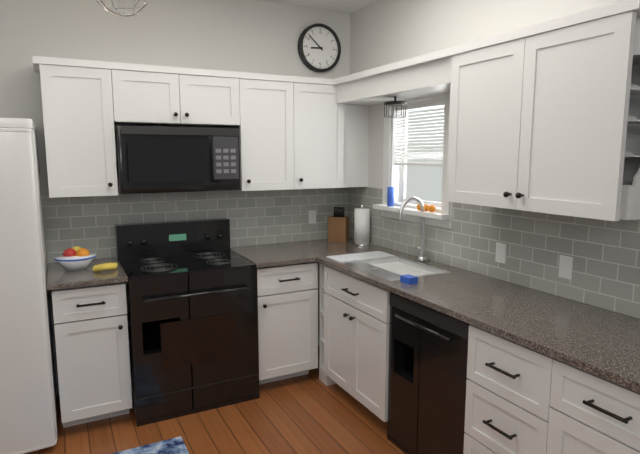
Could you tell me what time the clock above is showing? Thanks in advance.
8:52
